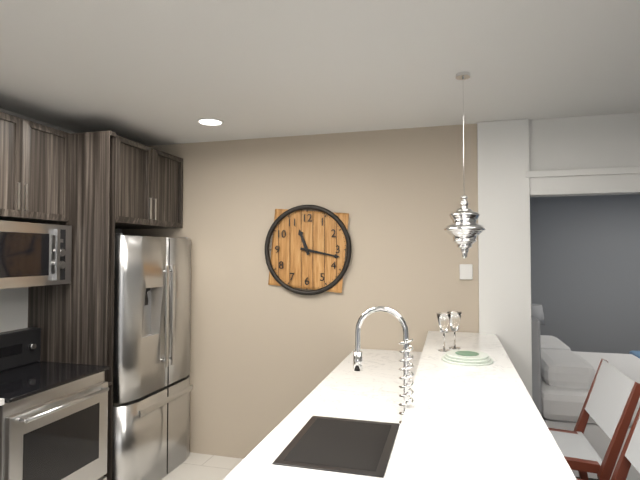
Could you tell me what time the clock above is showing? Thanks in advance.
11:17
